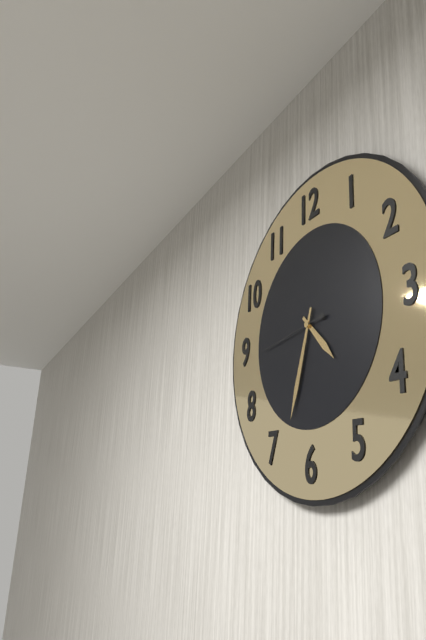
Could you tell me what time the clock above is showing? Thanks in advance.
4:33:44
